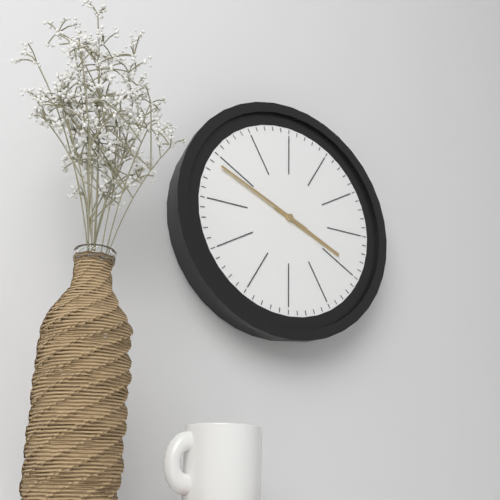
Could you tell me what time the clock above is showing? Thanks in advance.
3:49
